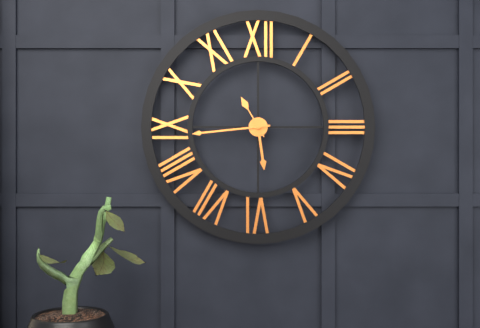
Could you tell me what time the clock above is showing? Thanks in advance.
5:44
